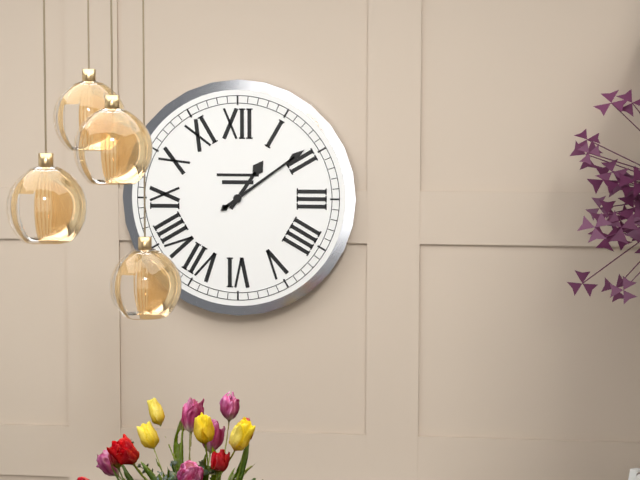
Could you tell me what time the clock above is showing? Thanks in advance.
1:09
